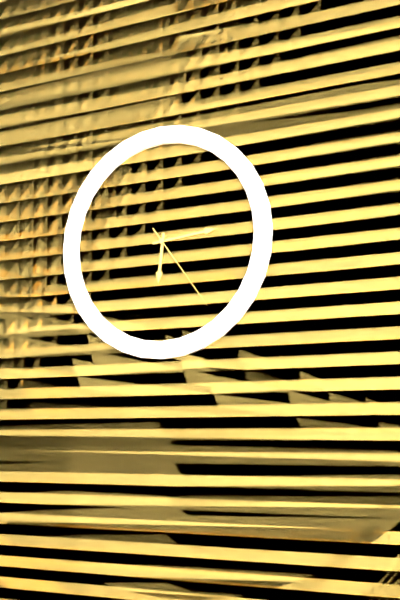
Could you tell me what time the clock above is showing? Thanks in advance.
6:14:24
